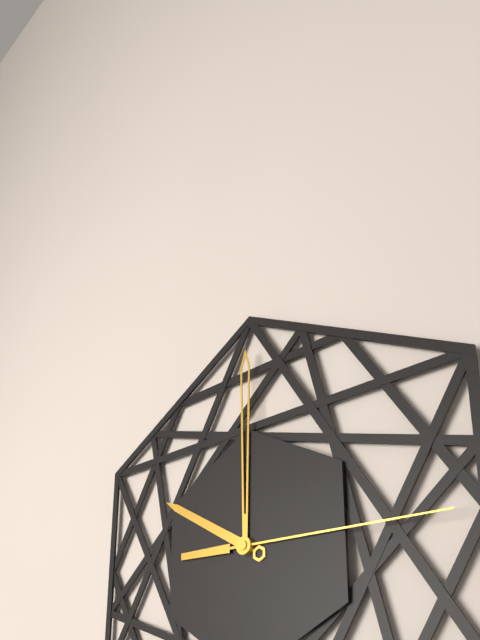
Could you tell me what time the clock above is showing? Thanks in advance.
10:00:15
